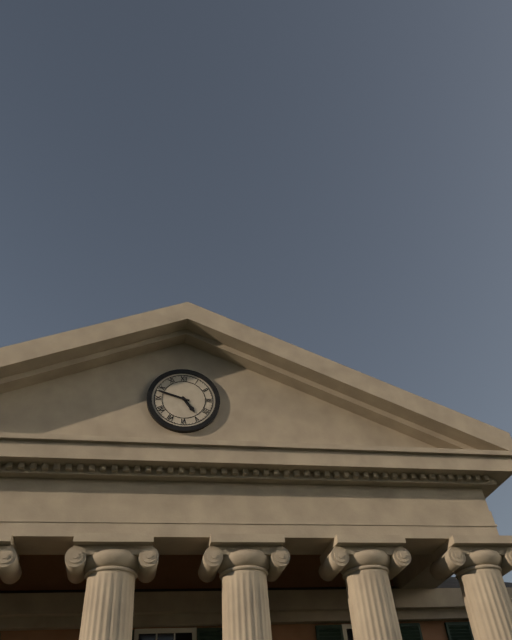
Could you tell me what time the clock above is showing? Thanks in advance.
4:48
